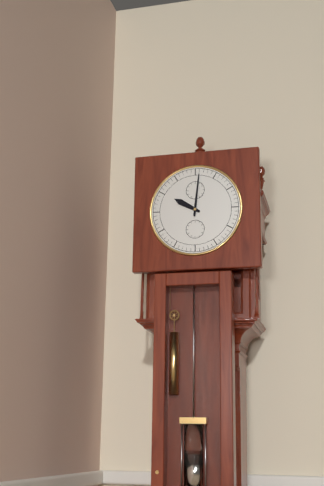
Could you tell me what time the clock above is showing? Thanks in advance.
10:01
